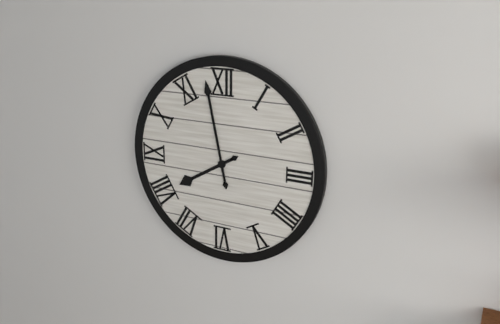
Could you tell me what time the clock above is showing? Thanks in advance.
7:58
